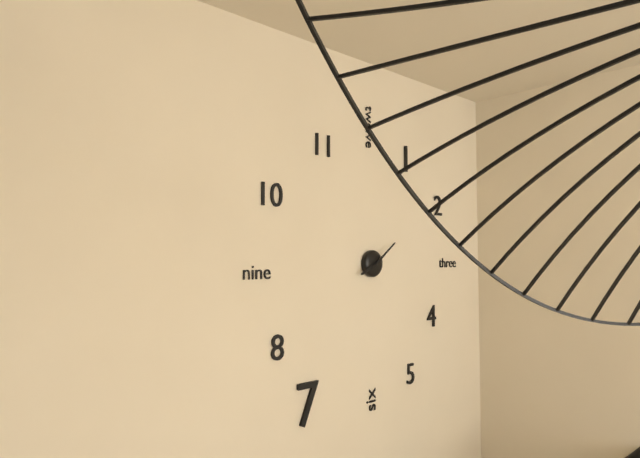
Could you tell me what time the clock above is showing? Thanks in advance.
8:09
